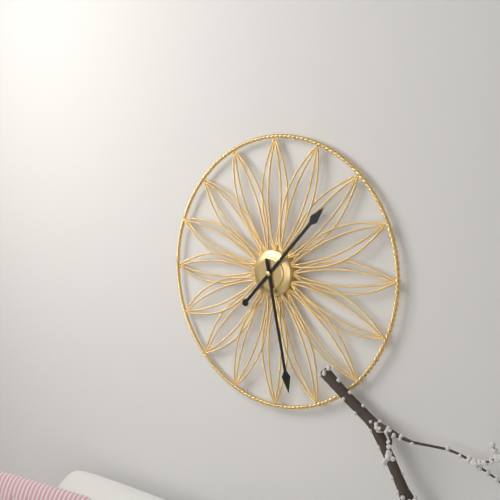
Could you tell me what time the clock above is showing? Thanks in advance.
1:28
